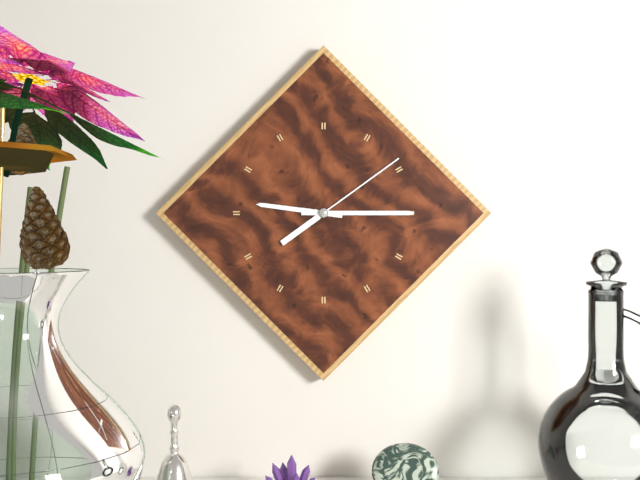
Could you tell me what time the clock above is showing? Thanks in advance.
9:15:09
